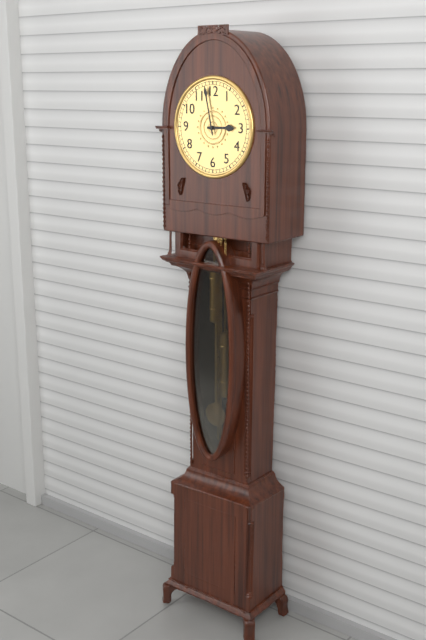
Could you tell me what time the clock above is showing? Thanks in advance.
2:58
